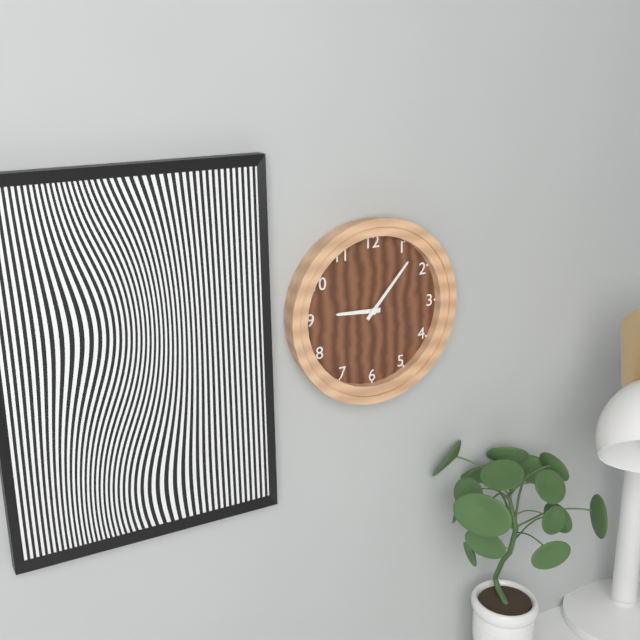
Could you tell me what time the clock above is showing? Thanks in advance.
9:07
